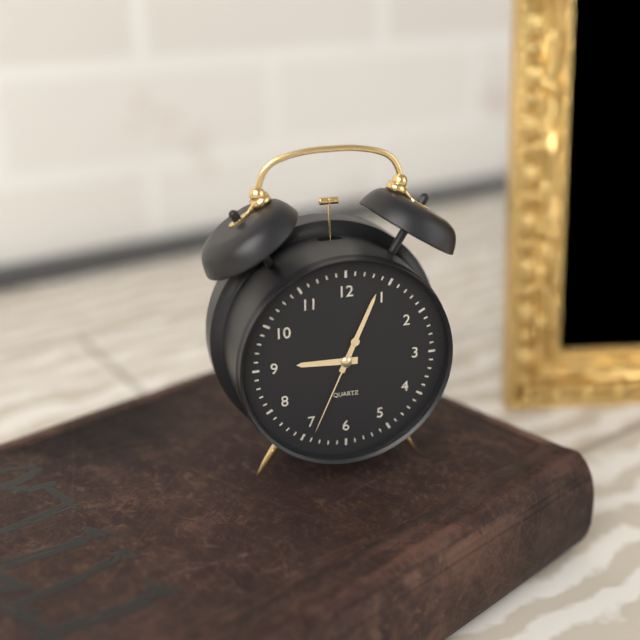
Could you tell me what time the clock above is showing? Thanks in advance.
9:04:34
